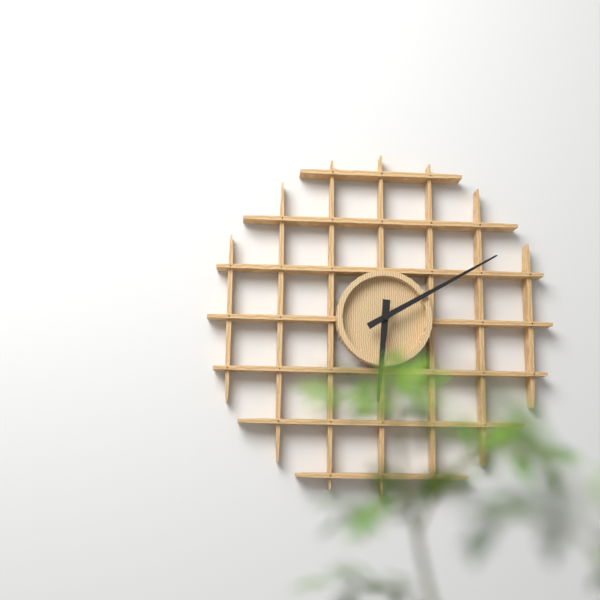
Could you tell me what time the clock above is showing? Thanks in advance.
6:10
